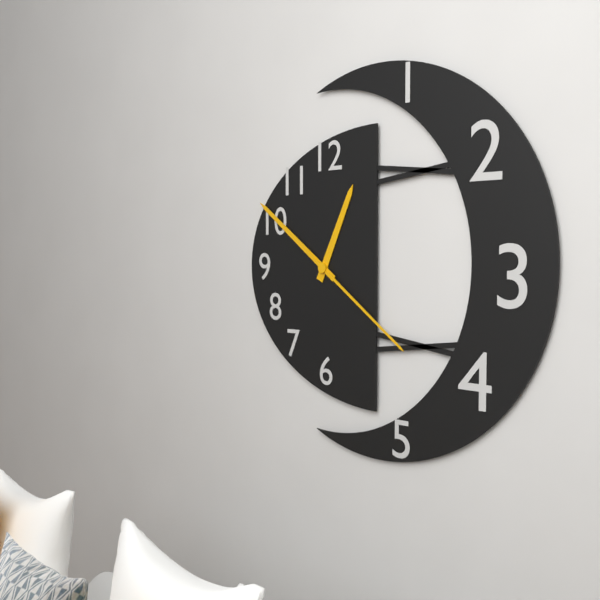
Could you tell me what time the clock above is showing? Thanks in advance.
12:51:21
